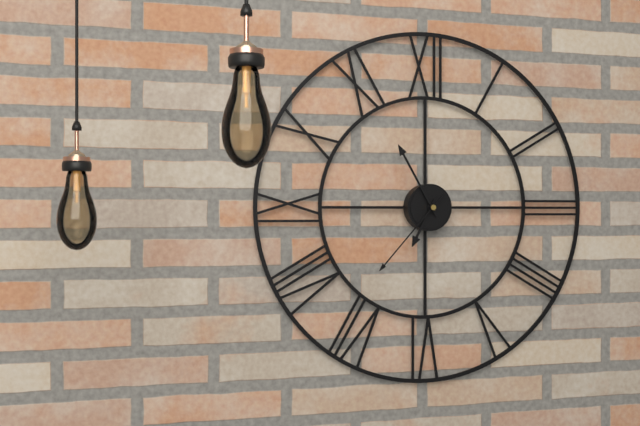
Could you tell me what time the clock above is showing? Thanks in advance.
6:55:37
